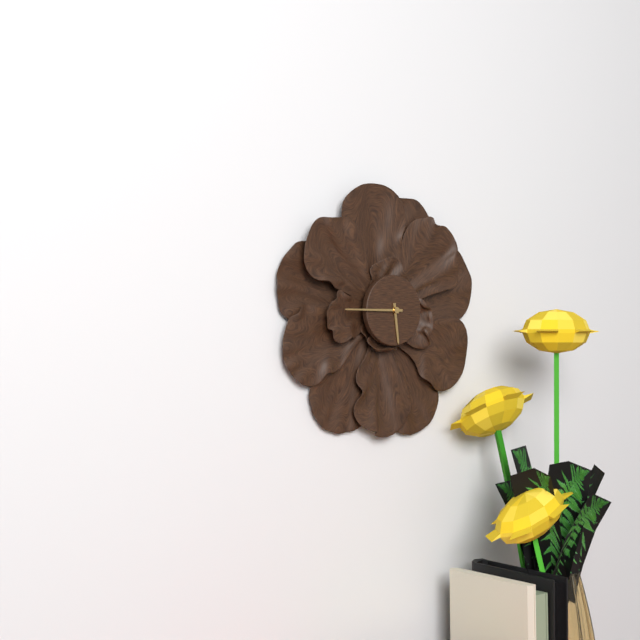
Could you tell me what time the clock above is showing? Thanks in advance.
5:45
